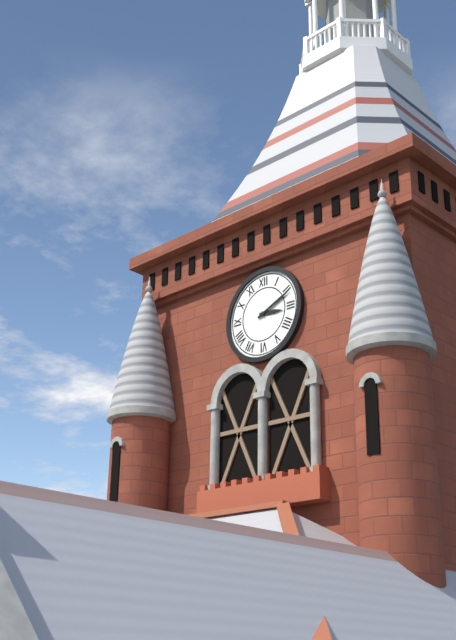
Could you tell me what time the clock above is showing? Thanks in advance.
3:11
